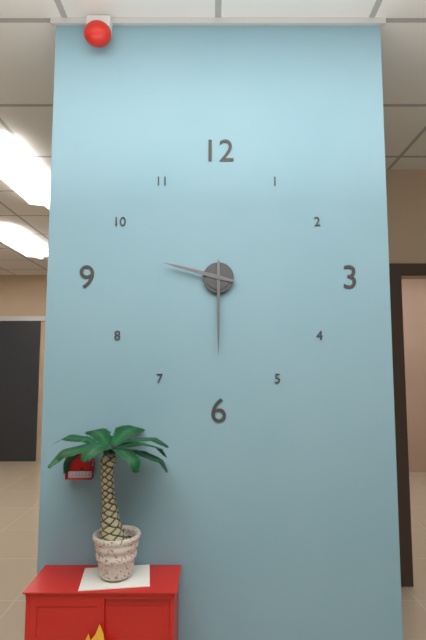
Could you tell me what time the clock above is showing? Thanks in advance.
9:30
